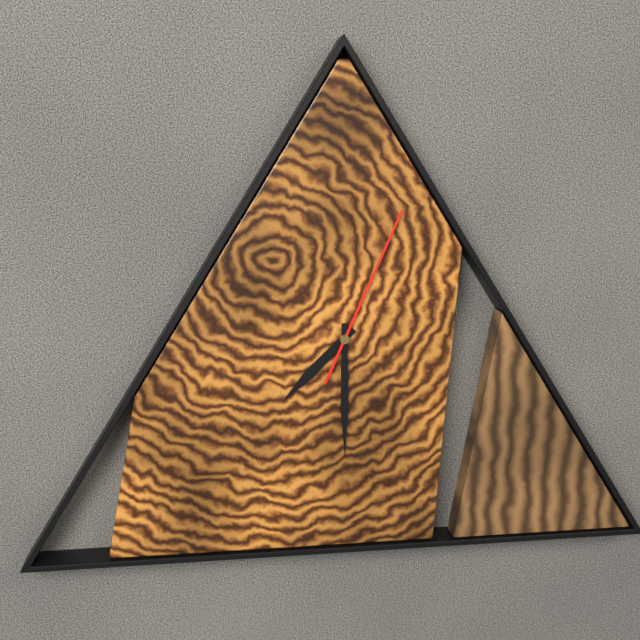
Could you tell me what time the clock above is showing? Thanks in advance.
7:30:04
